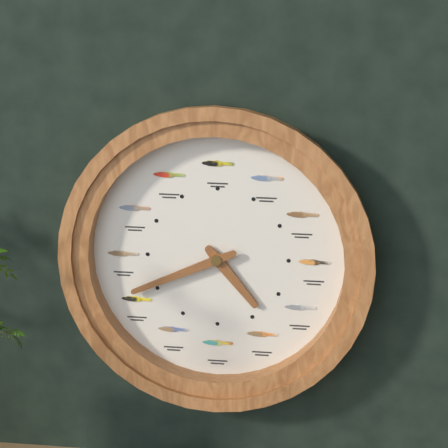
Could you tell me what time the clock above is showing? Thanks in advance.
4:41
